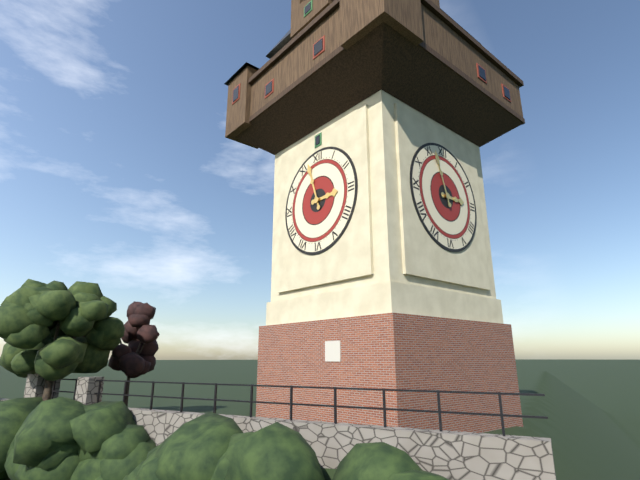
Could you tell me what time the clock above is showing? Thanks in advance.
2:57
